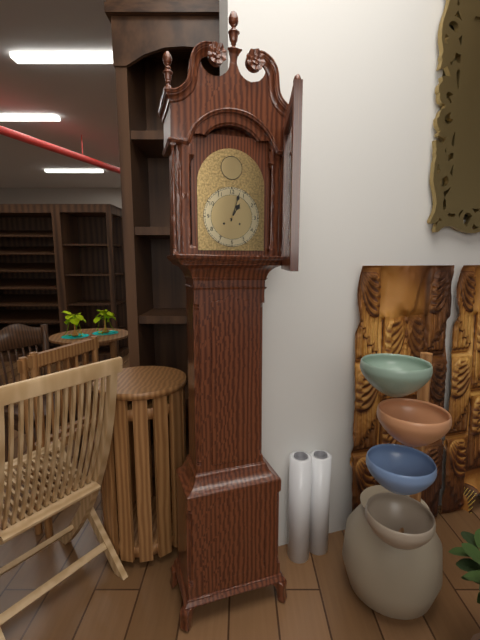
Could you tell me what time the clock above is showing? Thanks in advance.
1:03
